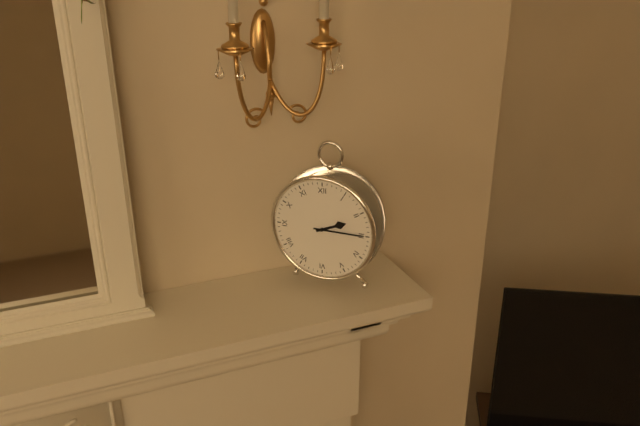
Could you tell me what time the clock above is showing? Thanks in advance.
2:15
